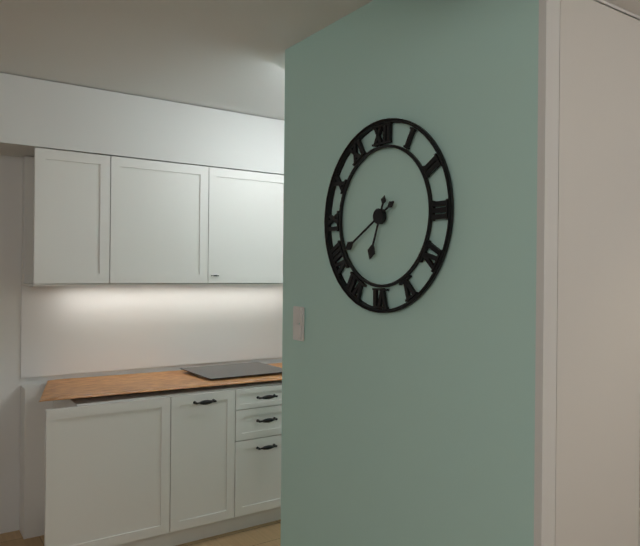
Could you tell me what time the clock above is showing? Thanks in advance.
6:40
